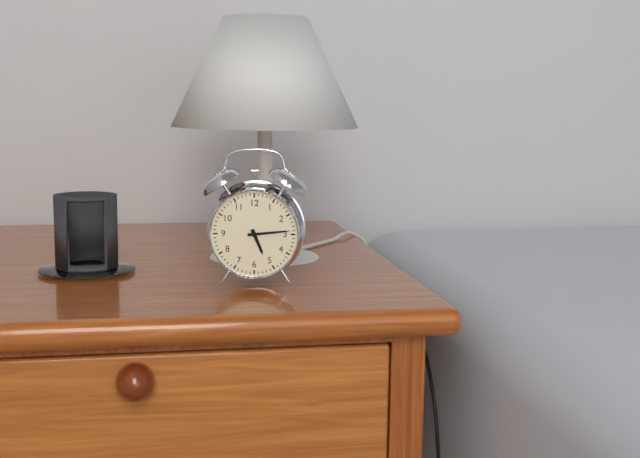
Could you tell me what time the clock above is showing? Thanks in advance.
5:14
